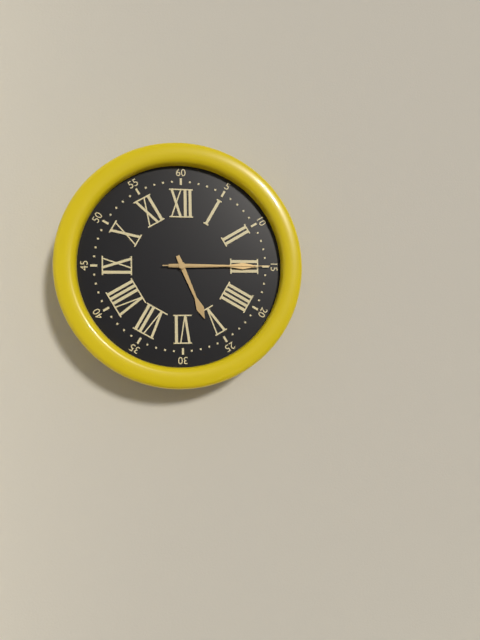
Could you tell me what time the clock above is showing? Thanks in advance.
5:15:15
